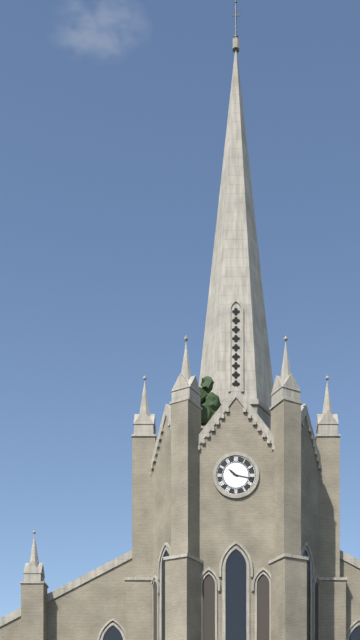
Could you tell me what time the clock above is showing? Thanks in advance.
10:17
